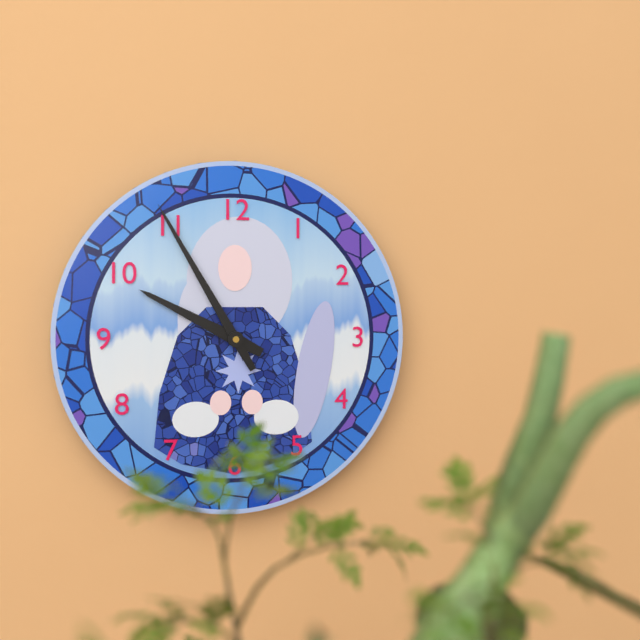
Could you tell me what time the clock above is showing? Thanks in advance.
9:55
